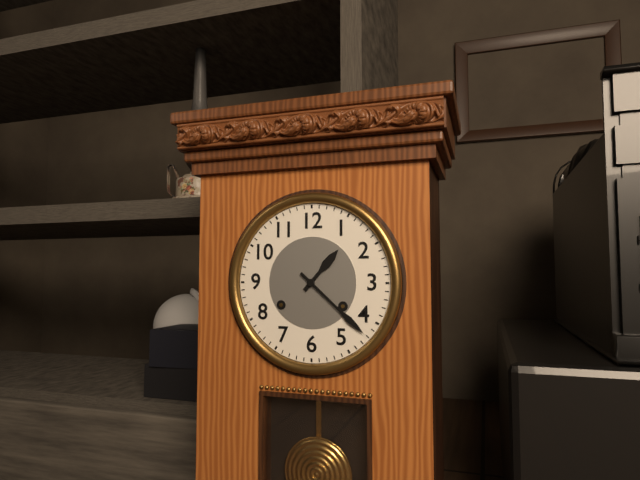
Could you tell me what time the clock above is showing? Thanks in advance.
1:22
